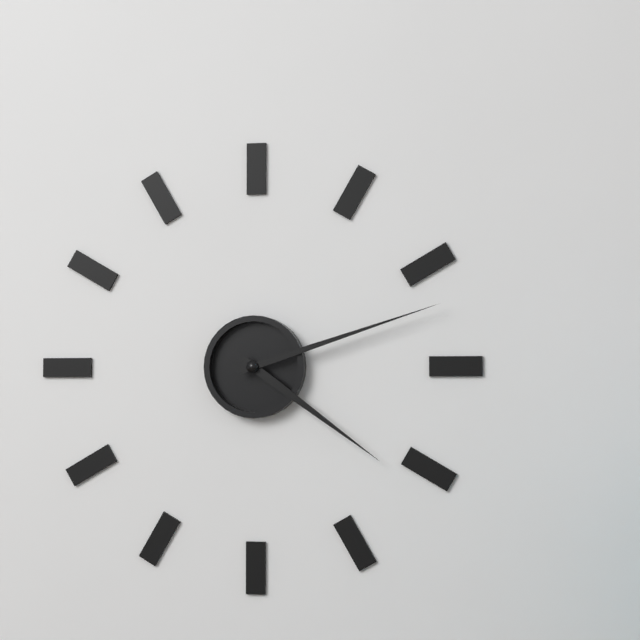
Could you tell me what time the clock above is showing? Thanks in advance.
4:12
